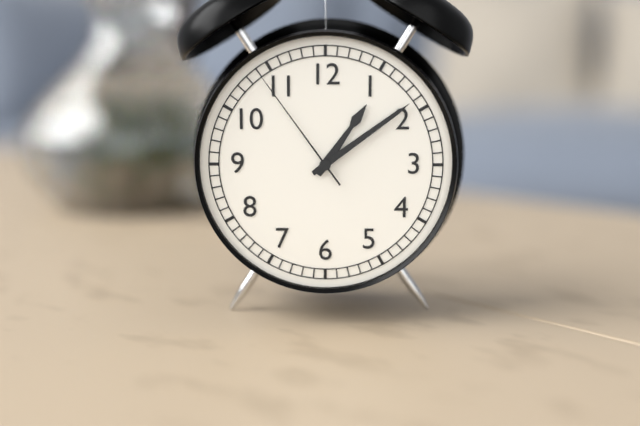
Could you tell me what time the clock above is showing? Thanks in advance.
1:09:54
